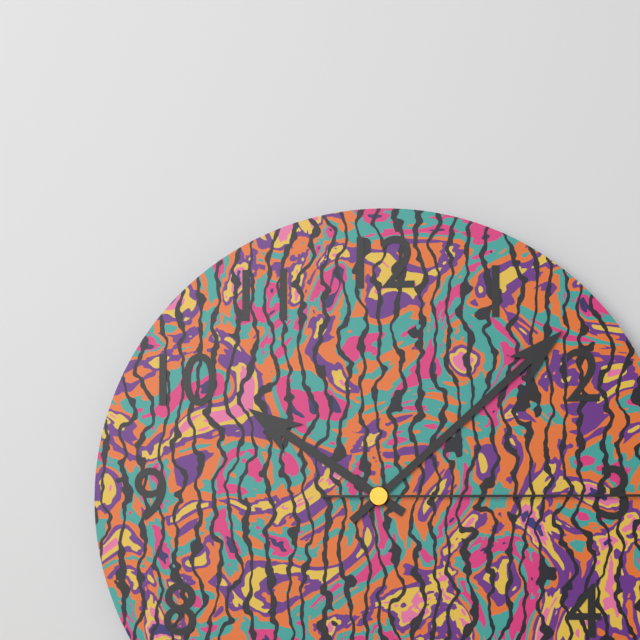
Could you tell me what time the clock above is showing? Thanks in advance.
10:08
